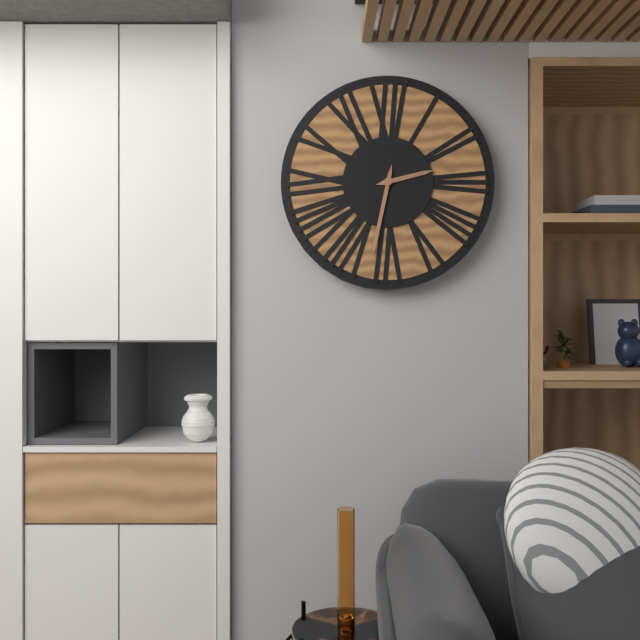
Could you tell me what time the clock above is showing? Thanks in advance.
2:32
